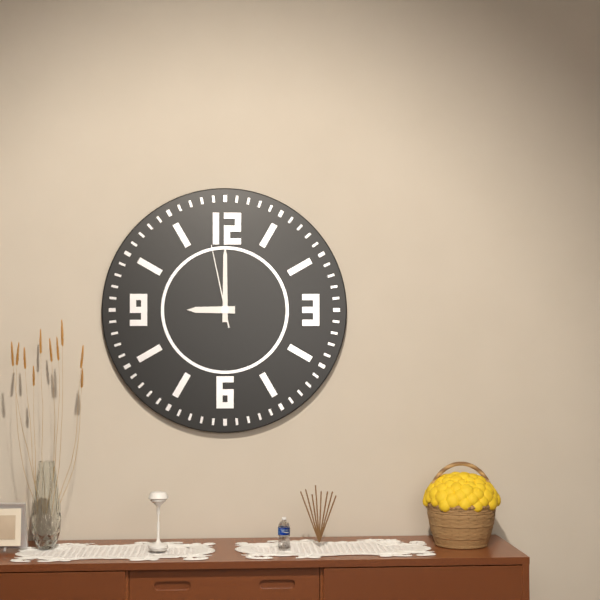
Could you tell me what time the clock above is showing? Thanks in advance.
9:00:58
